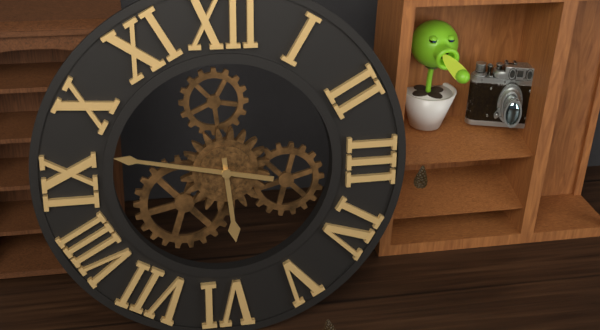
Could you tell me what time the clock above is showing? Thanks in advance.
5:47
